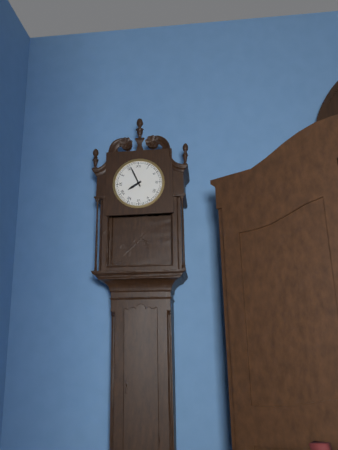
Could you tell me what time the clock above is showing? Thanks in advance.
7:56
